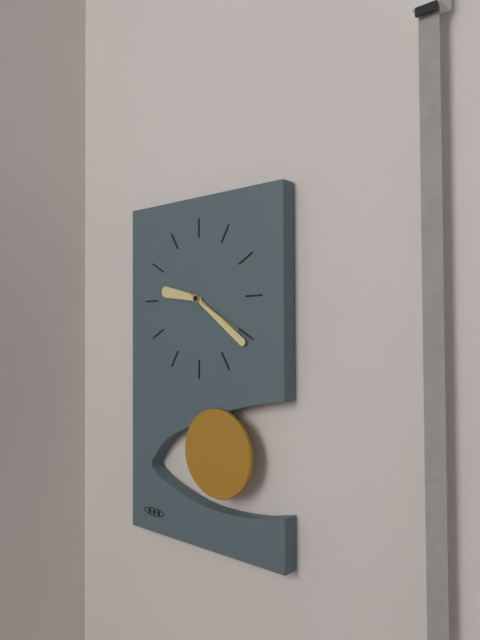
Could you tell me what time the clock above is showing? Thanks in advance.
9:21:20
